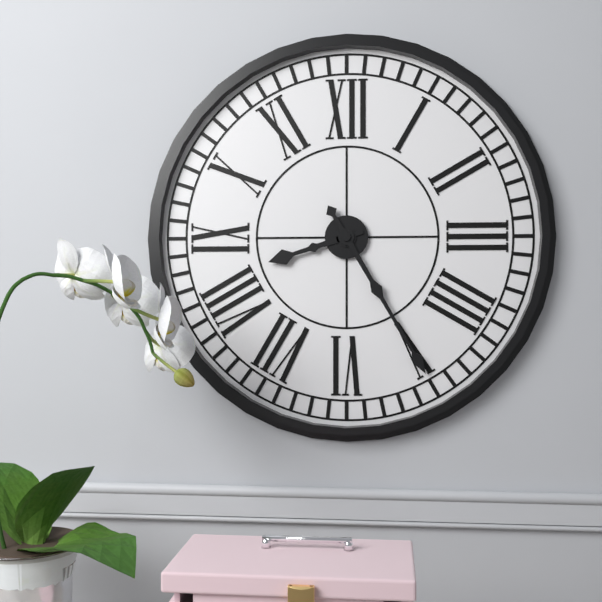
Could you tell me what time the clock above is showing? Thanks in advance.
8:25
